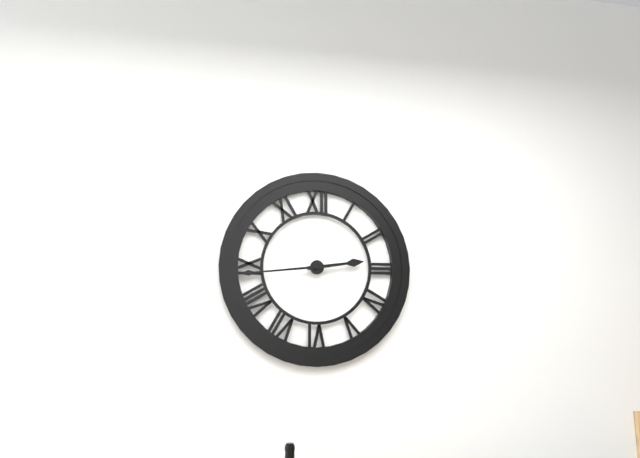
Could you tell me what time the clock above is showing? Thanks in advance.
2:44
